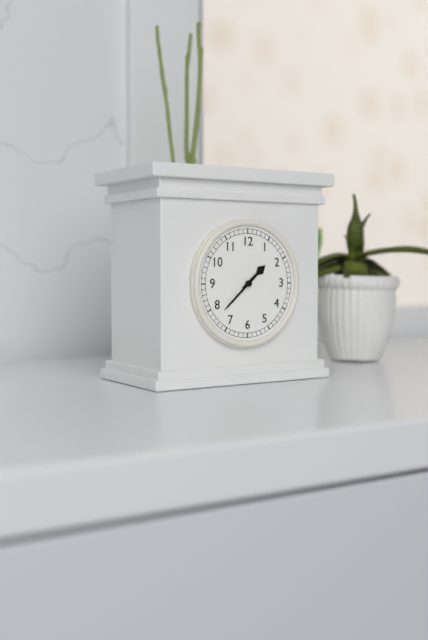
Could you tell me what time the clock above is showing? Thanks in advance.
1:38
